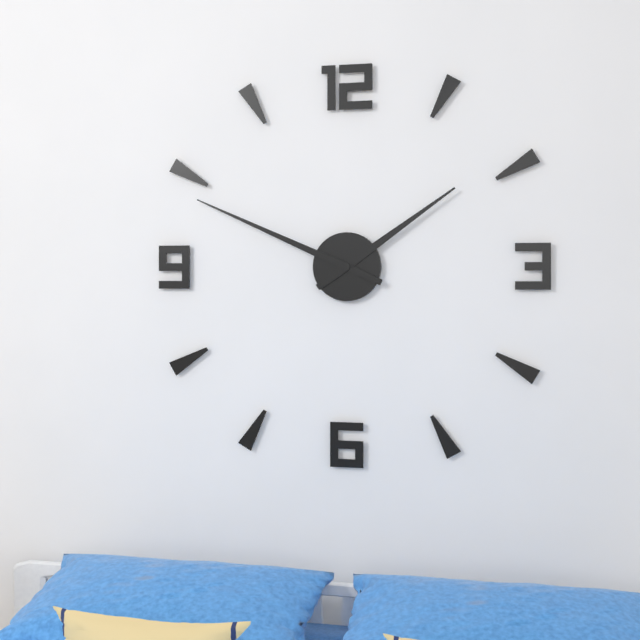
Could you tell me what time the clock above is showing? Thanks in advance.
1:49
